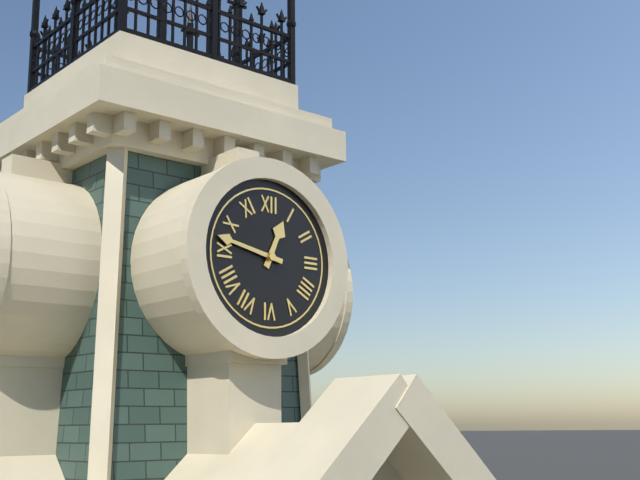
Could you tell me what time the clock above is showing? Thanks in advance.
12:47
